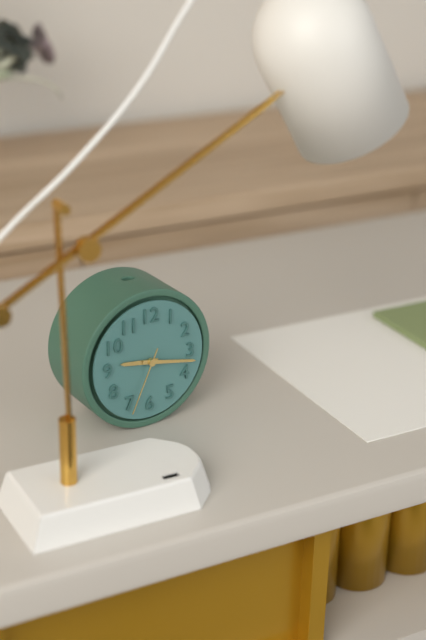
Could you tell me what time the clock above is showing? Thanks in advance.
9:17:34
